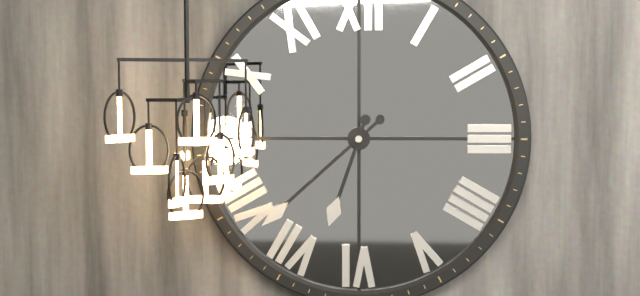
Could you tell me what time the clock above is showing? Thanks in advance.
6:38
